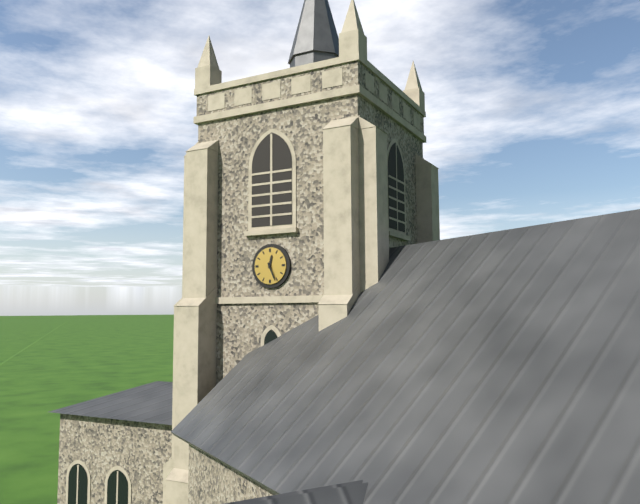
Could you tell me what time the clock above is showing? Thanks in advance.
12:26
